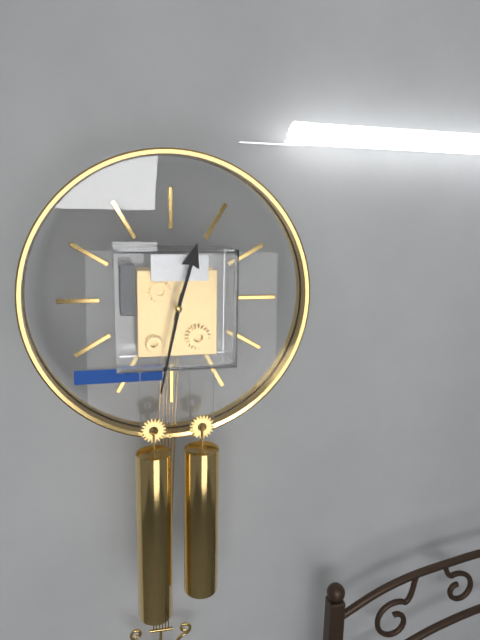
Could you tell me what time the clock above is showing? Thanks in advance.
12:32
